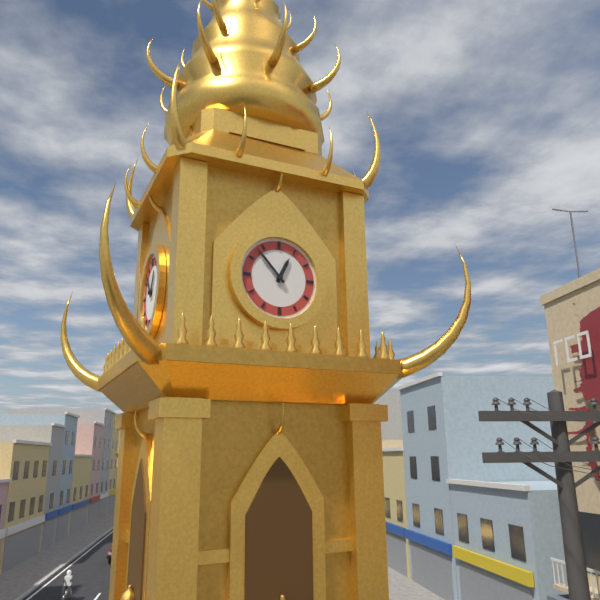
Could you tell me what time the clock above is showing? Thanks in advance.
12:53
